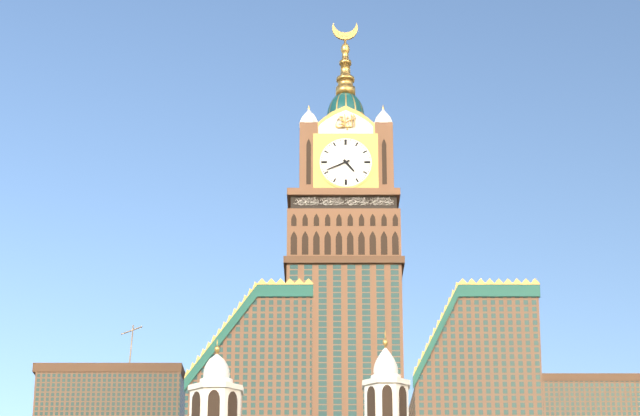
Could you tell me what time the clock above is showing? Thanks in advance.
4:41
